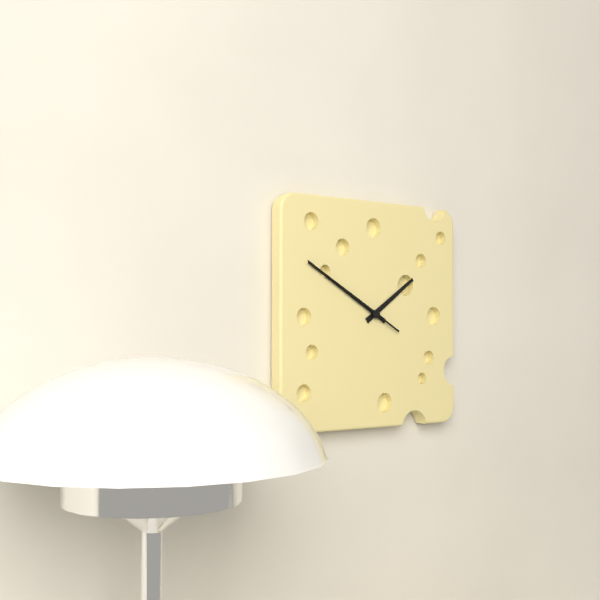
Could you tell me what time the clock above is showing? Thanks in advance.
1:50:50
